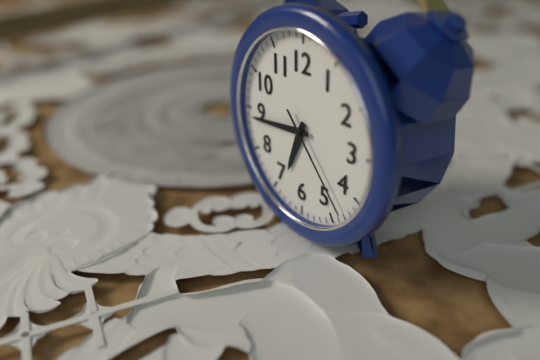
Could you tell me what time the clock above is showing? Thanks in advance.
6:44:23
